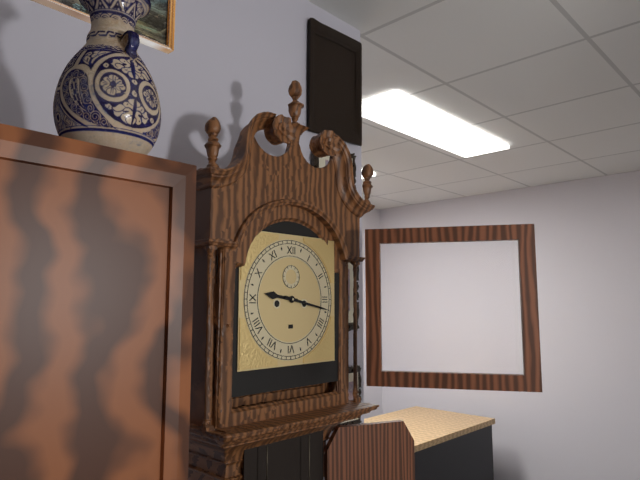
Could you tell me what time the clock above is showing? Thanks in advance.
9:17
